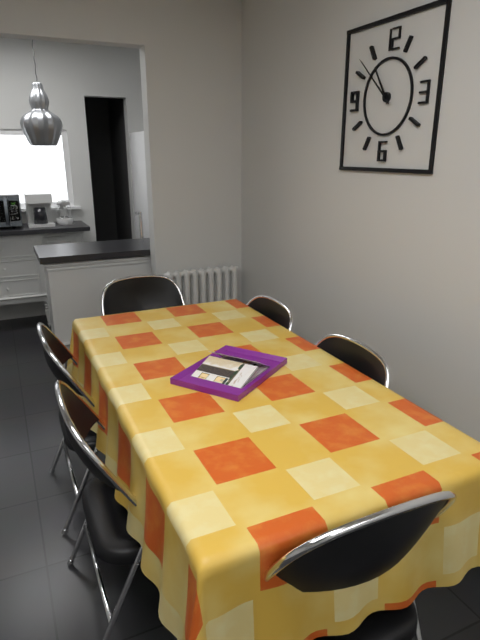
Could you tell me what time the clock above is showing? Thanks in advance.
10:52
